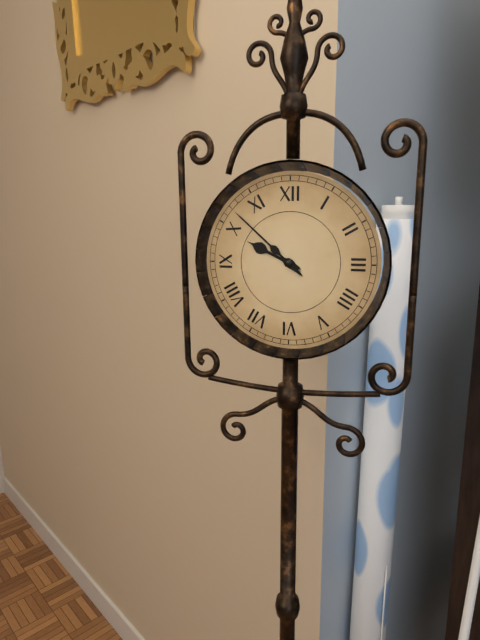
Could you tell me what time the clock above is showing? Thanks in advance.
9:52
